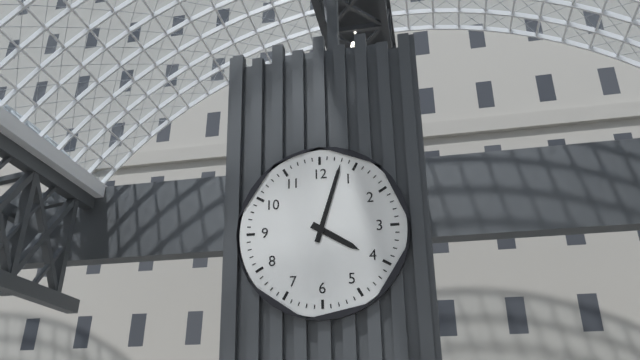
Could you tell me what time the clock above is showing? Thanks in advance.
4:03
